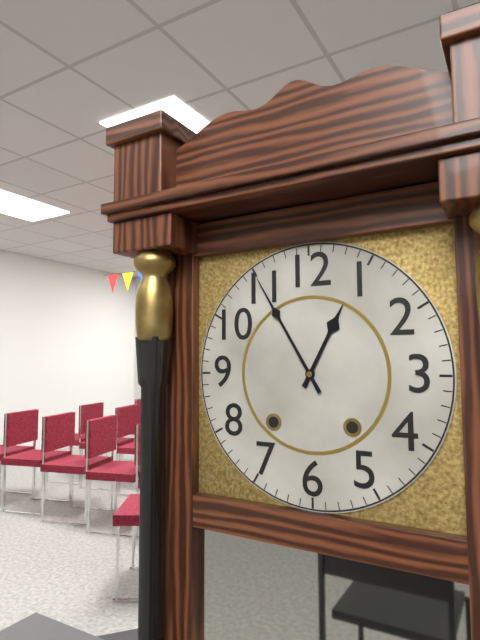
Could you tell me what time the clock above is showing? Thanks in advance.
12:55
